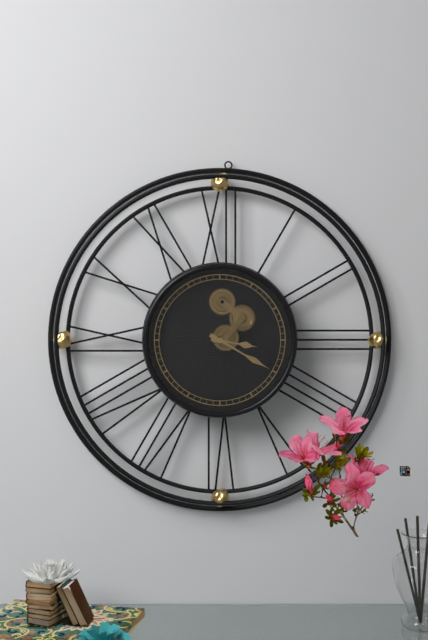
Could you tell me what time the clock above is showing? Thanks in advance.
3:20
